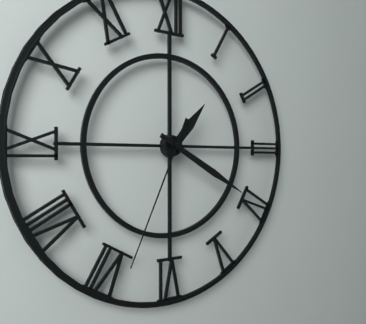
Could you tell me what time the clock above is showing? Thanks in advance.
1:20:34
